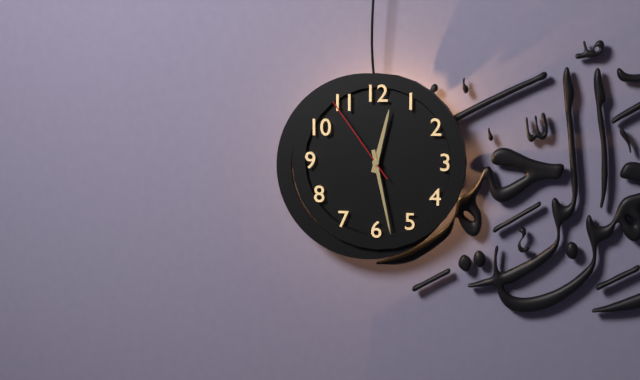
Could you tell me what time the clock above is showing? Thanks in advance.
12:28:54
